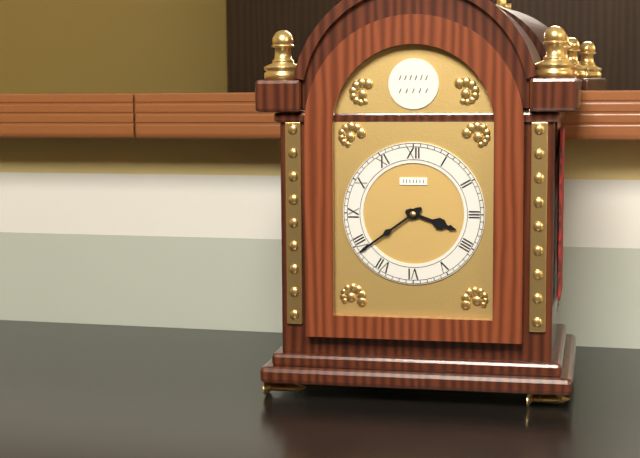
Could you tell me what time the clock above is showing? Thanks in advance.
3:39
